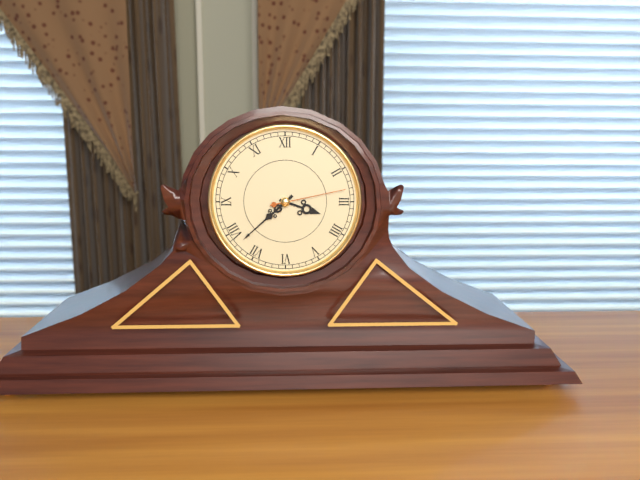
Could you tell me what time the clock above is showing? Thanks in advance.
3:38:13
